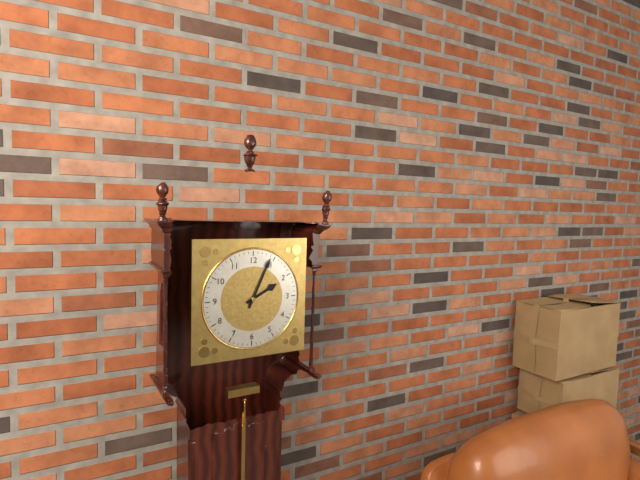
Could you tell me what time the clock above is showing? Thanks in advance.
2:04
